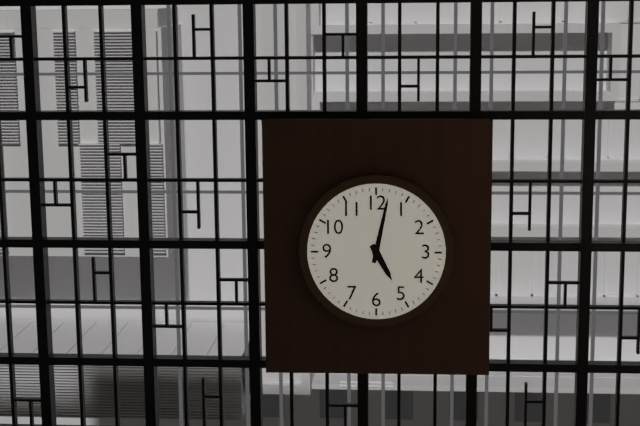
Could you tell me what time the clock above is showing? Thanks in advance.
5:02
